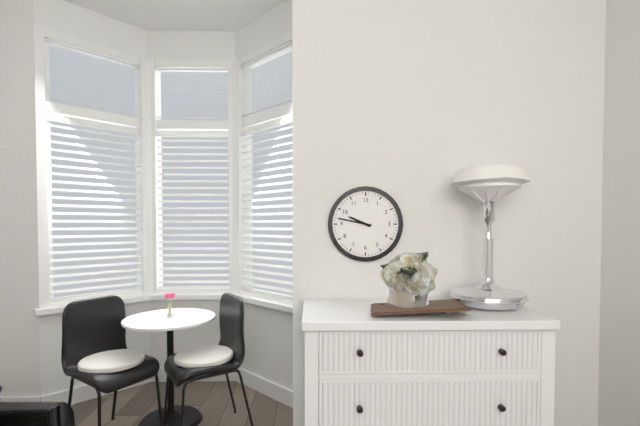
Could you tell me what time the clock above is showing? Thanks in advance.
9:47
